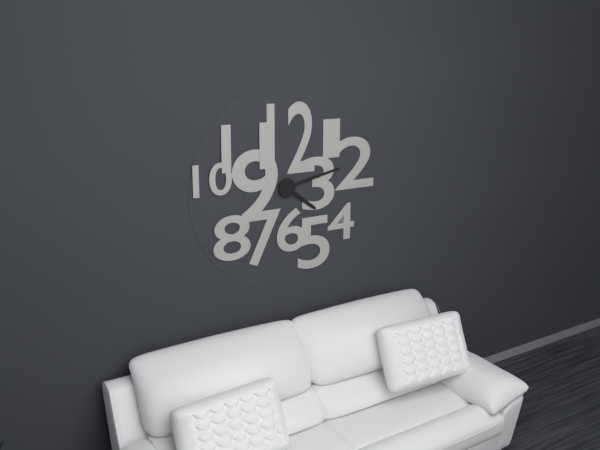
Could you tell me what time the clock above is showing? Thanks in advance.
4:13
